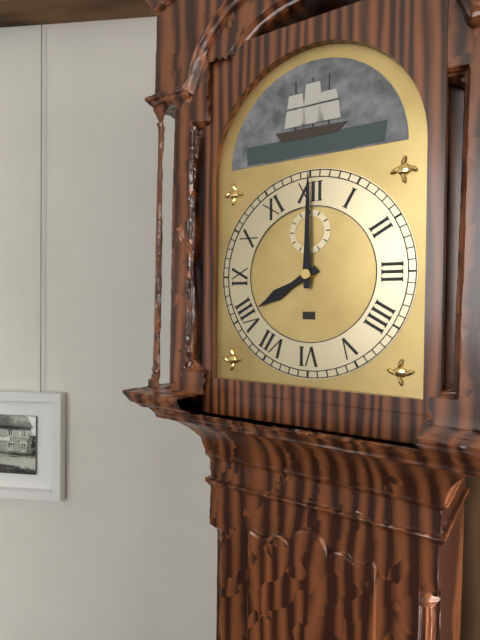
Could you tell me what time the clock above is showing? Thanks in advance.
8:00
